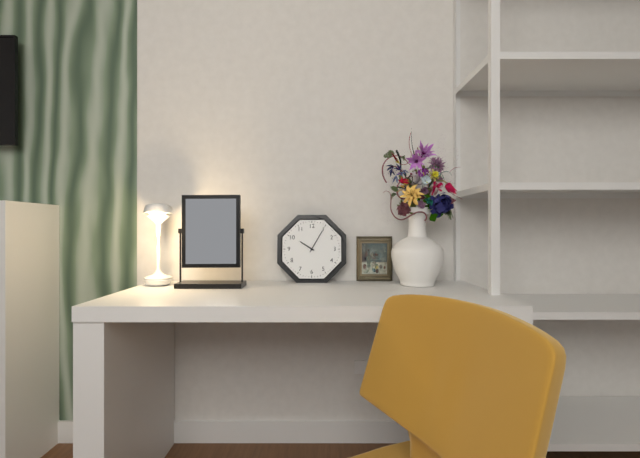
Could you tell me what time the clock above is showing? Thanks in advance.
10:05
